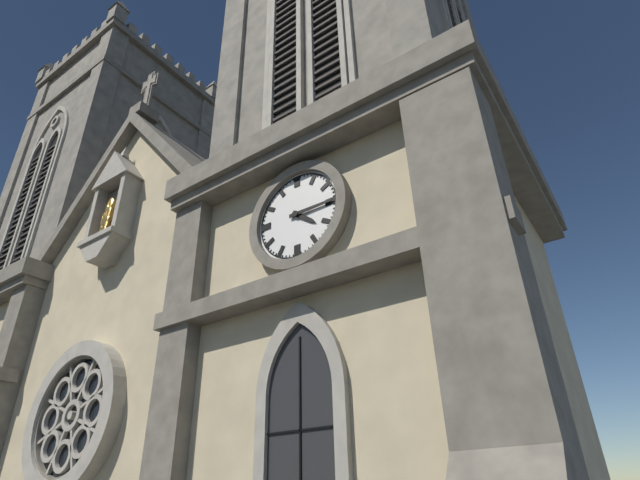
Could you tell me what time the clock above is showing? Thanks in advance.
4:15
